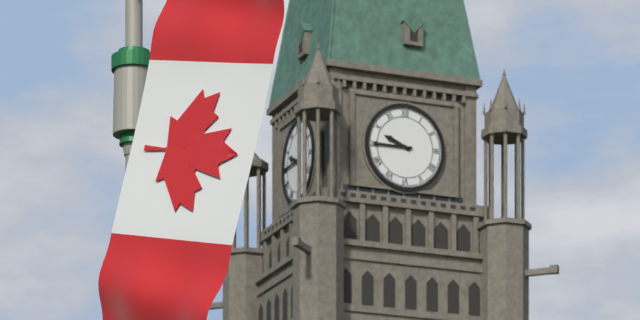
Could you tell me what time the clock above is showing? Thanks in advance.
9:45
